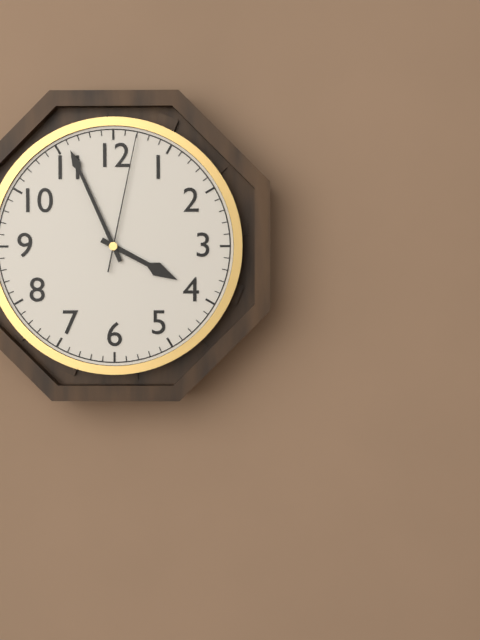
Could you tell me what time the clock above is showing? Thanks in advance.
3:56:02
